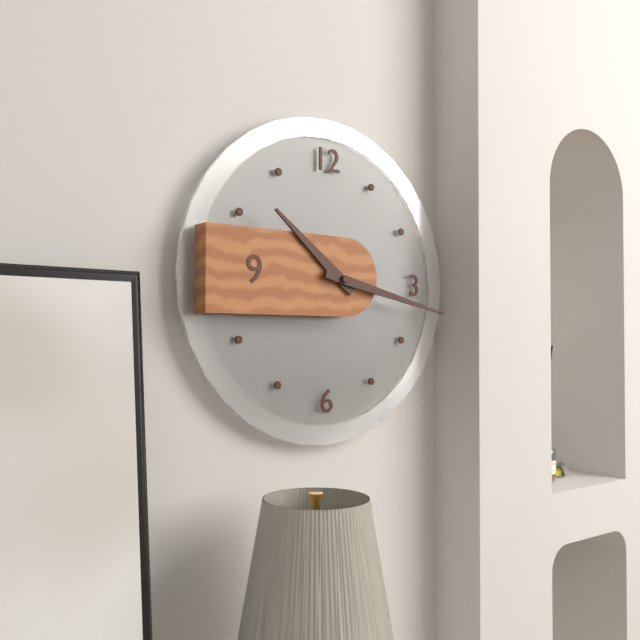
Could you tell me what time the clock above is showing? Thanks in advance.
10:17
